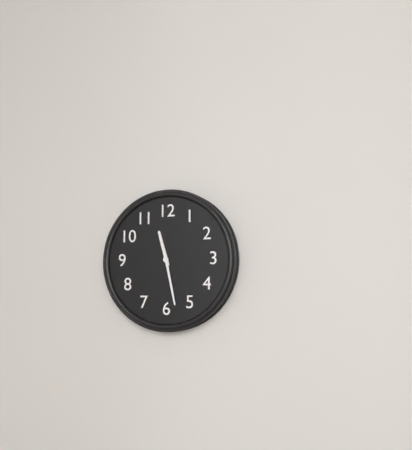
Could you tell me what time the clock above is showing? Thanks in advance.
11:28
